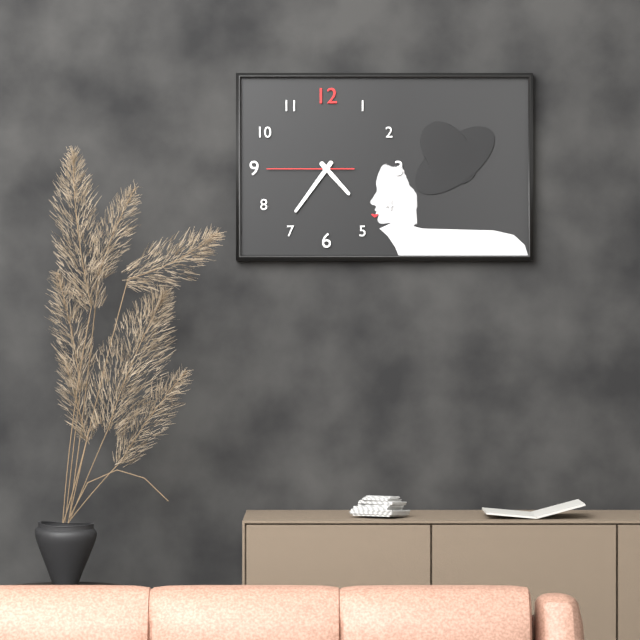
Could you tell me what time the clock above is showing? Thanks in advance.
4:36:45
